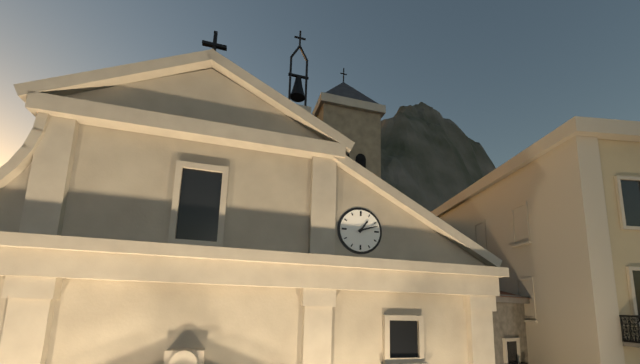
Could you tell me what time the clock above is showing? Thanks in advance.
1:12
